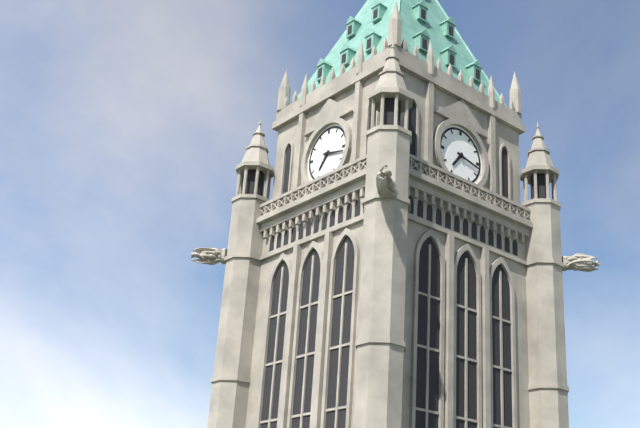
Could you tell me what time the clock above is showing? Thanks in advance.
7:17
